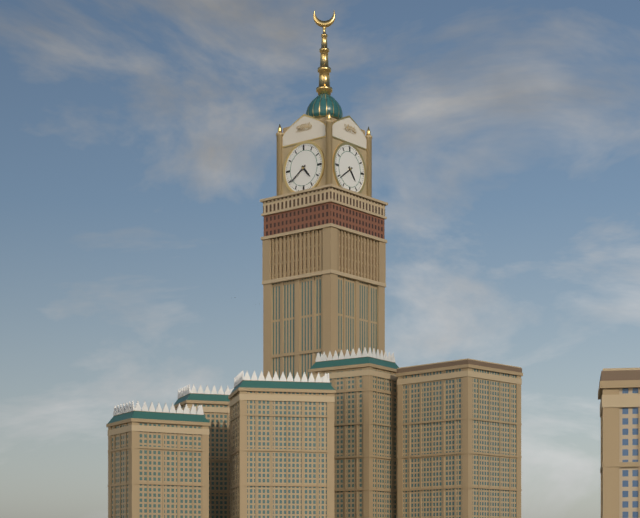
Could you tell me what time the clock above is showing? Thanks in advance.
4:39
